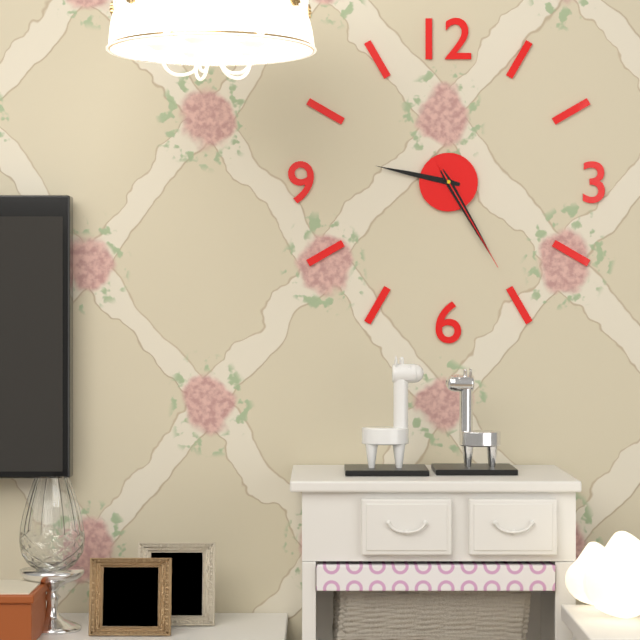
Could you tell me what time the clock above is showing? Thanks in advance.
9:25:25
